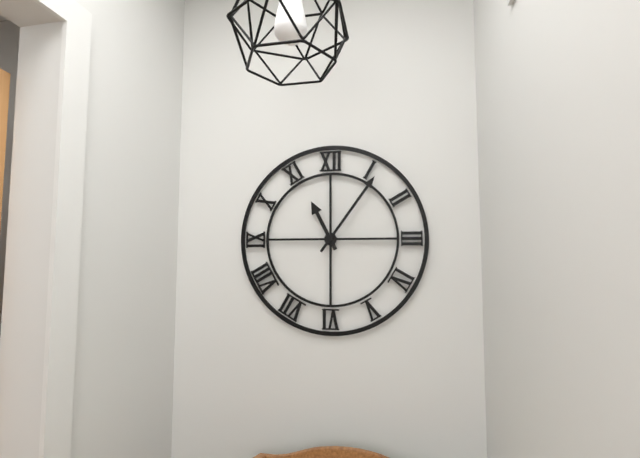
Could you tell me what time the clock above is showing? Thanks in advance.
11:06
